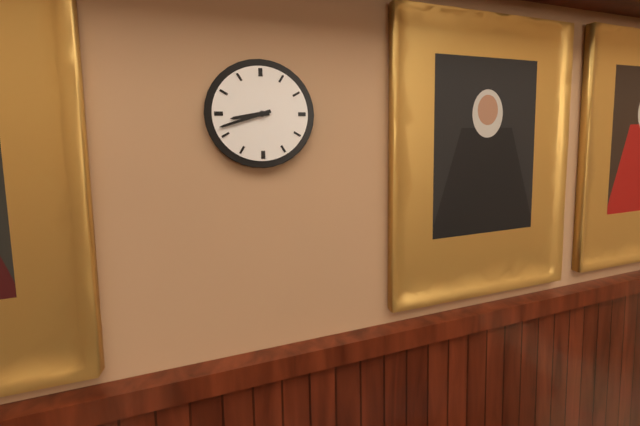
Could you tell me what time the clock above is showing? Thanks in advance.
8:42
